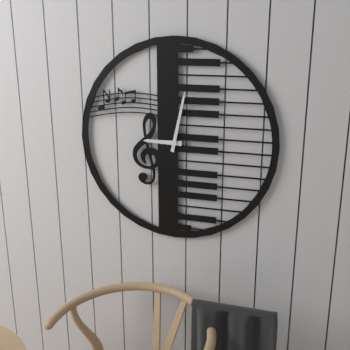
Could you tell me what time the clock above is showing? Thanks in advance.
9:02
